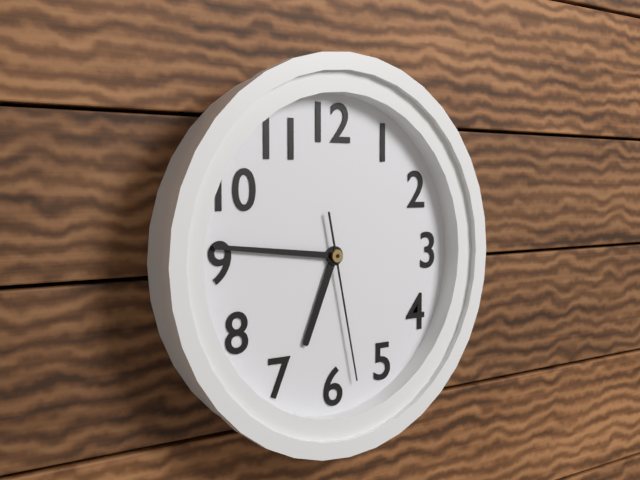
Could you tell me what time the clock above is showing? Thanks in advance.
6:46:28
